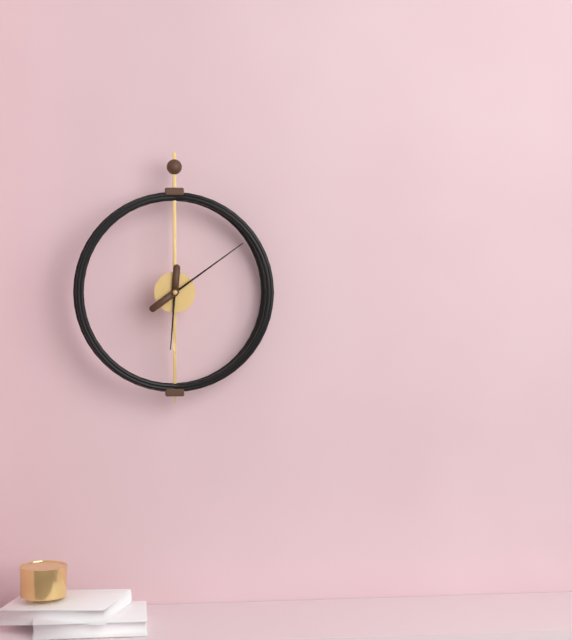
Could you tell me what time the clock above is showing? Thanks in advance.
6:09
